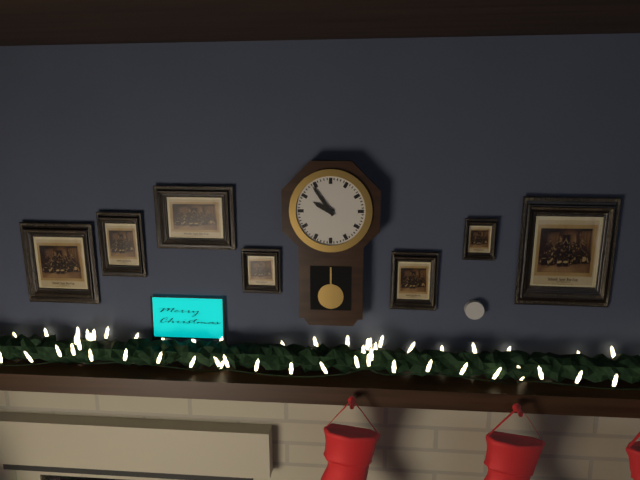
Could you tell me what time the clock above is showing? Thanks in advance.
9:54
